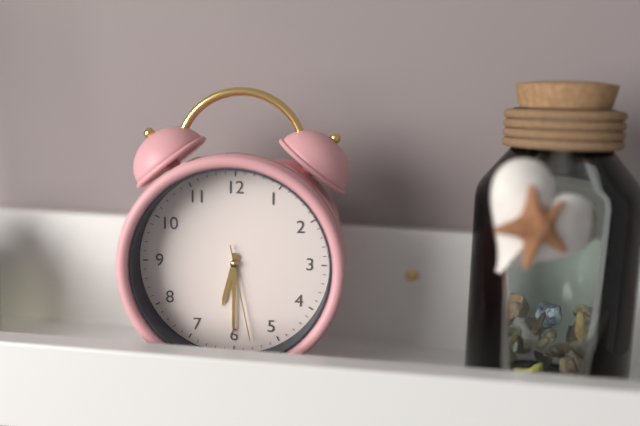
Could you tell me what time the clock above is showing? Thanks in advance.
6:30:28
